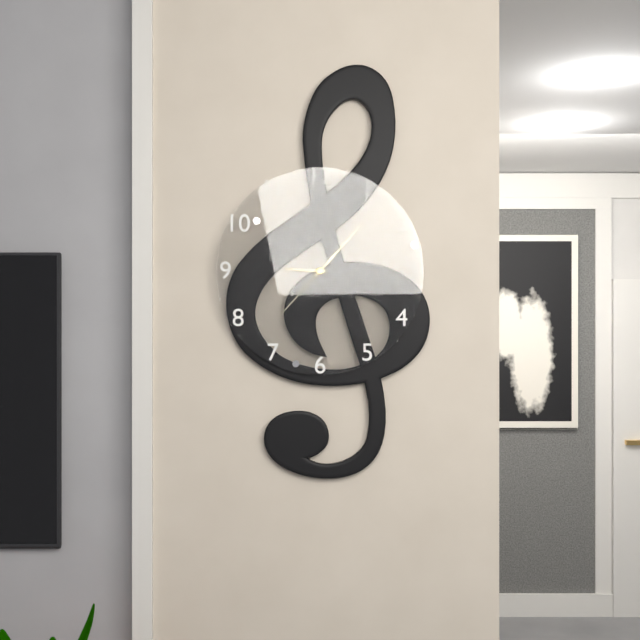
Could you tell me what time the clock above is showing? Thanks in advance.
9:07:37
